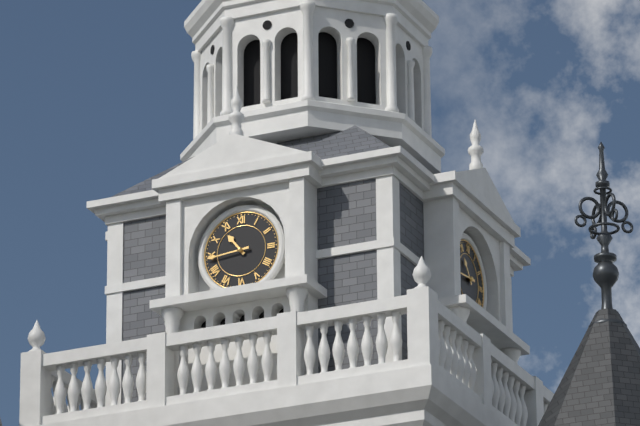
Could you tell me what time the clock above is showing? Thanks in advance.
10:44
